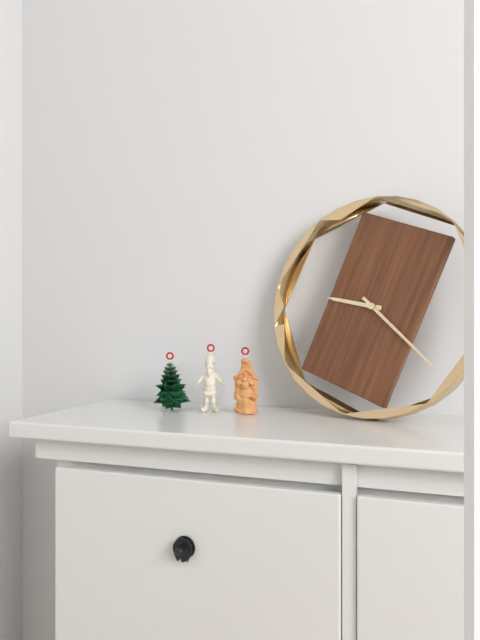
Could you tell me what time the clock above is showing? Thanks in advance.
9:22
